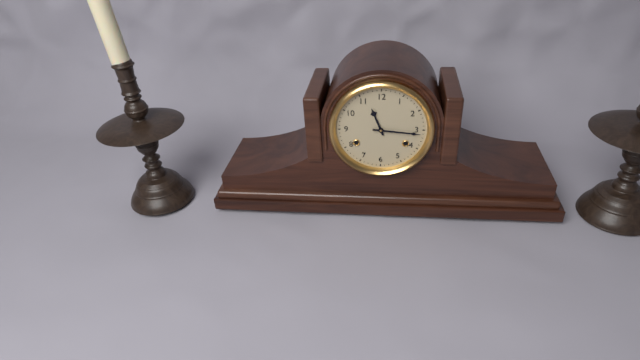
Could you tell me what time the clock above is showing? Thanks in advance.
11:16
